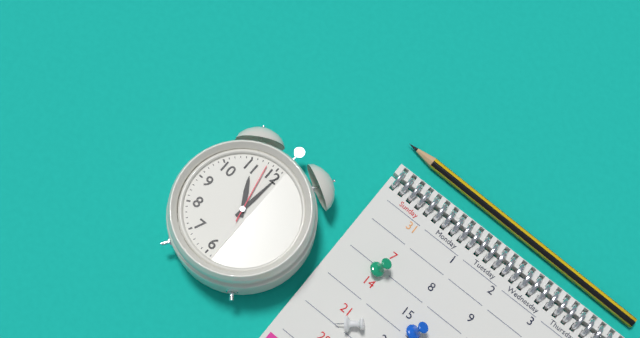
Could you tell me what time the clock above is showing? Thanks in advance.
11:01:58
